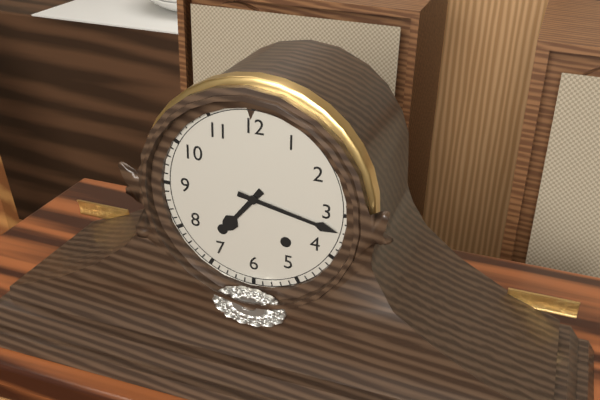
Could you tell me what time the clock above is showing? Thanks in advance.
7:17
